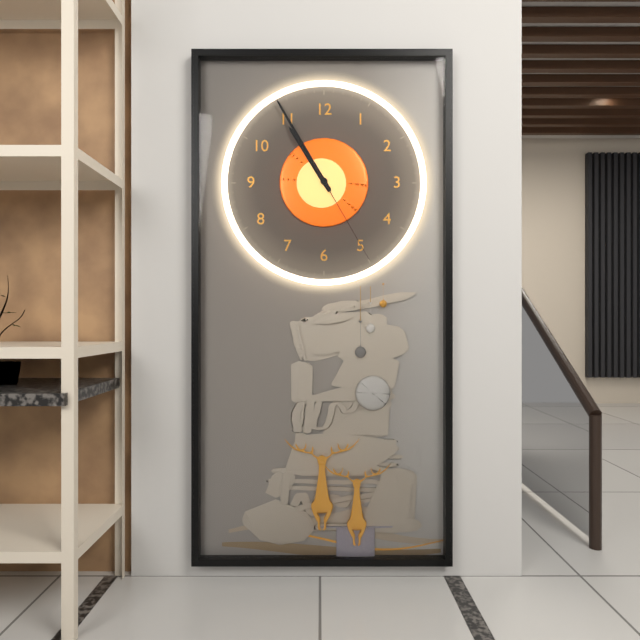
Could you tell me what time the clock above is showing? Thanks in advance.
10:55:25
